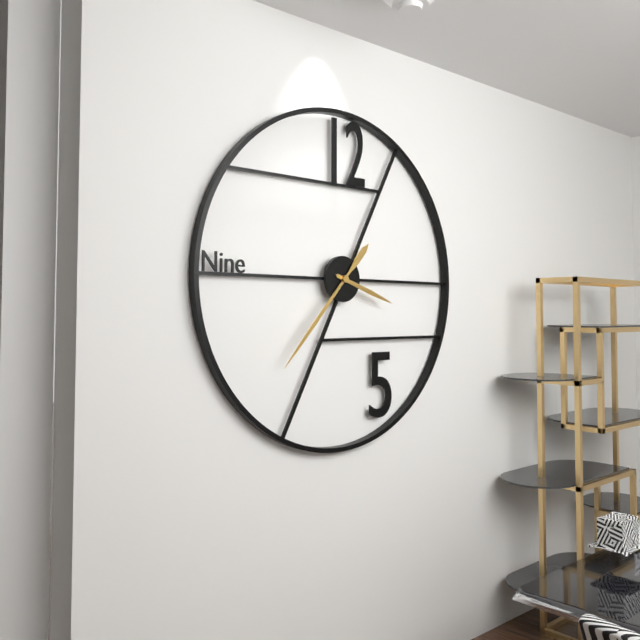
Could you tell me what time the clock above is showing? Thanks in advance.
3:37
